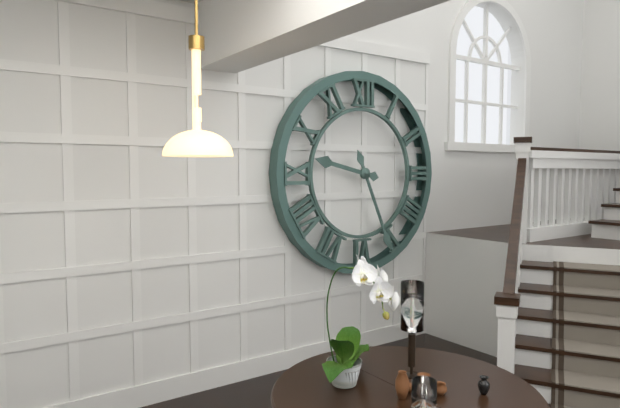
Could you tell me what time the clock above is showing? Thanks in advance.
9:26
